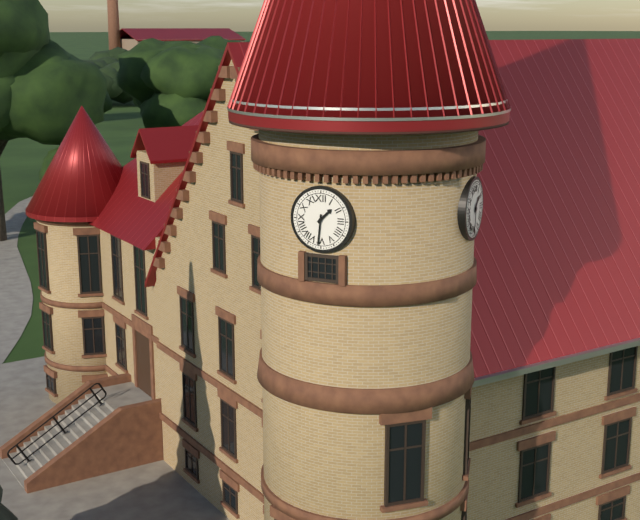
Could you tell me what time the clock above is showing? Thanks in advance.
1:31
